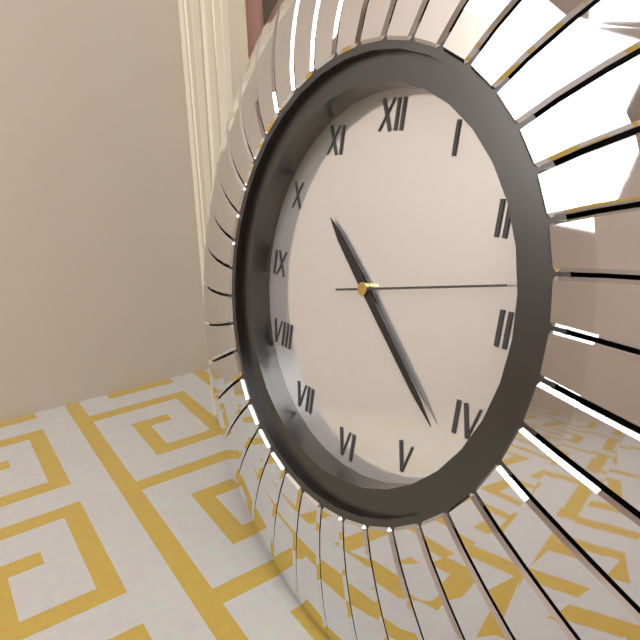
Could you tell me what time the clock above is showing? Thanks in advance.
10:22:13
